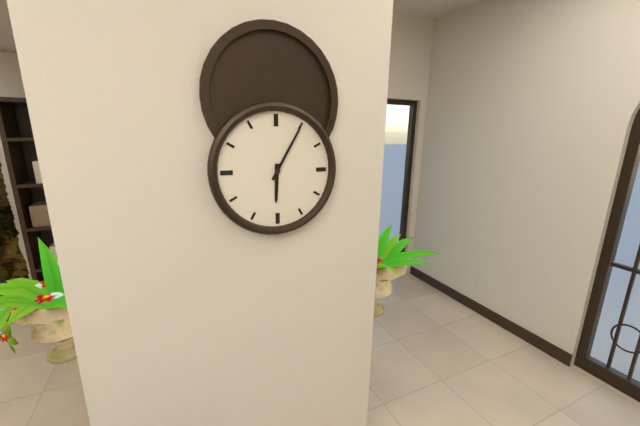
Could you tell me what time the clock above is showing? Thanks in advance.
6:05
